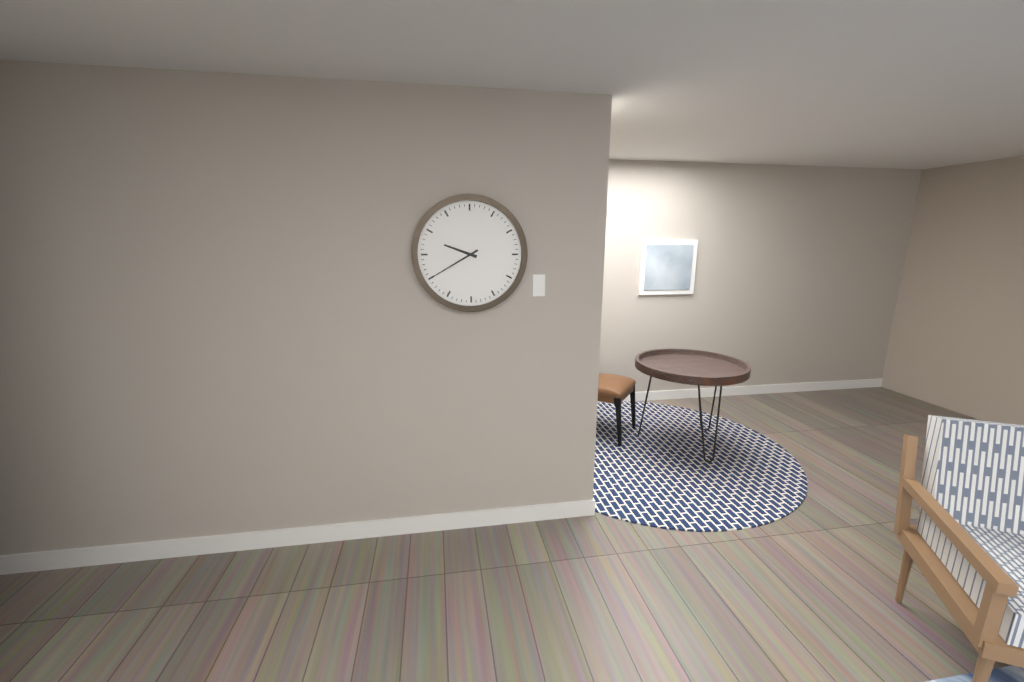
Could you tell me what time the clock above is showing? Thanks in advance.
9:40
